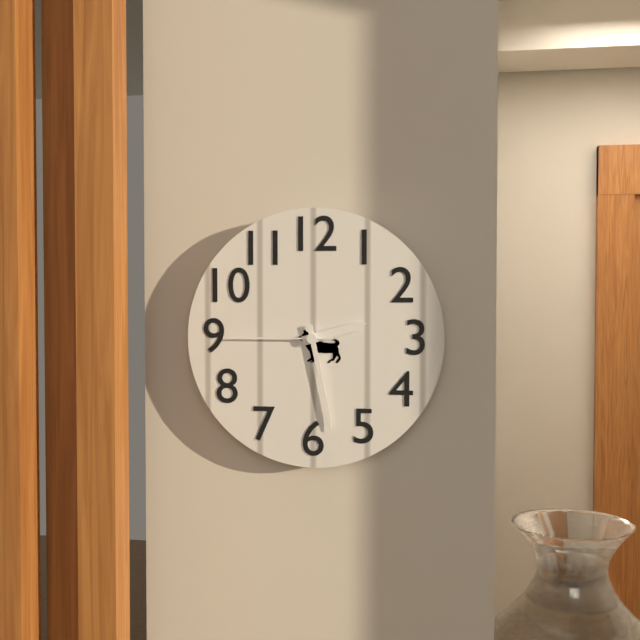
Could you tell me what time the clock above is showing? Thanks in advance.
2:28:45
